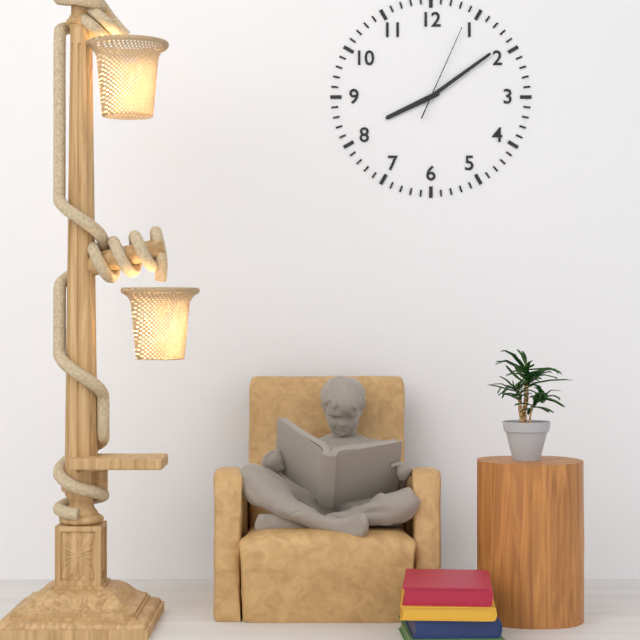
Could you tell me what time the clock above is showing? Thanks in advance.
8:09:04
